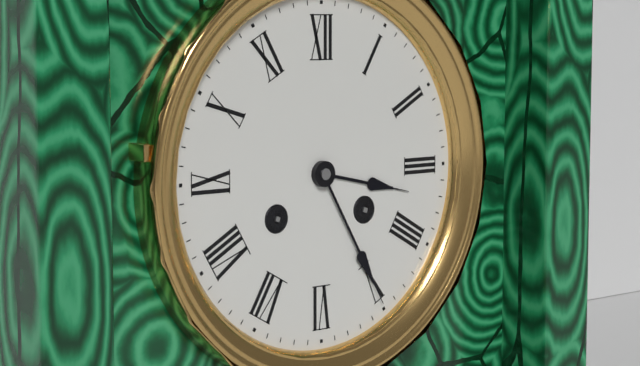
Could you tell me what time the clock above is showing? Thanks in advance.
3:25
